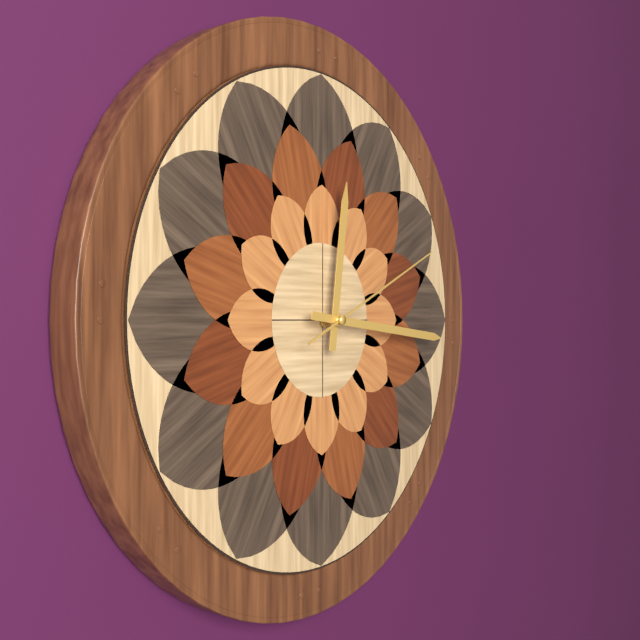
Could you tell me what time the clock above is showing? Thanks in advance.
12:16:11
